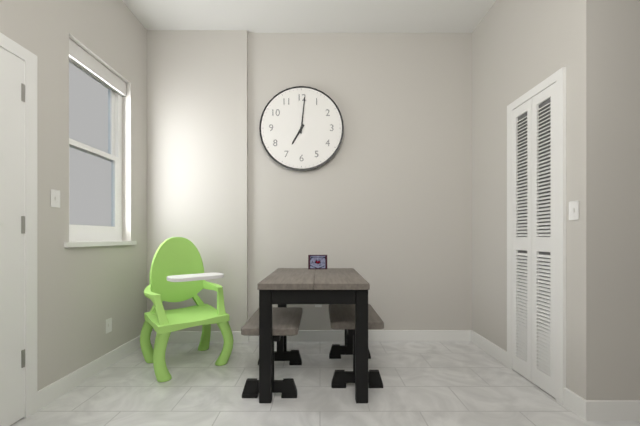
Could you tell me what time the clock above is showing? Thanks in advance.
7:01
